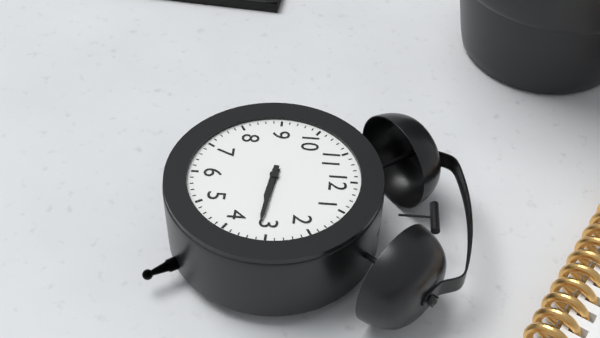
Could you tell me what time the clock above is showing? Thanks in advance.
3:16
